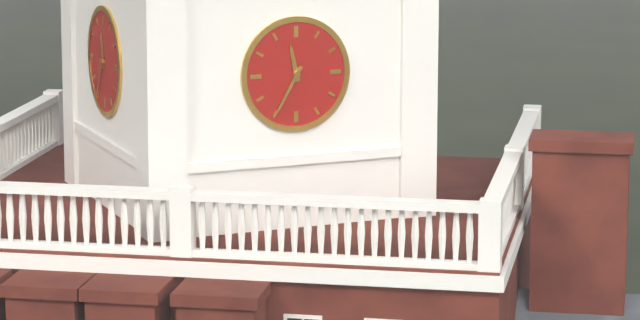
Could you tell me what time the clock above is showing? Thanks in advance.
11:35
